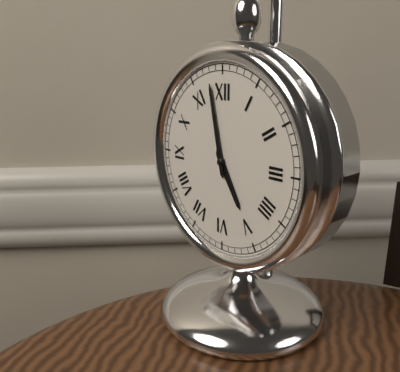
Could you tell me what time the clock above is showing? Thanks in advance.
4:58
